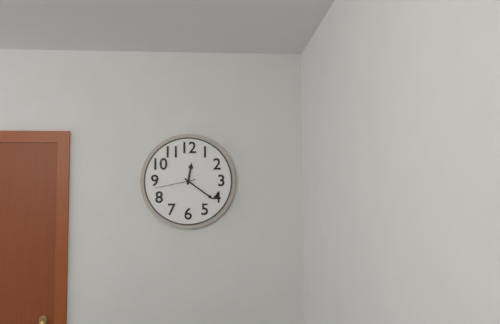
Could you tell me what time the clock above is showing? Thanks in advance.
12:21
